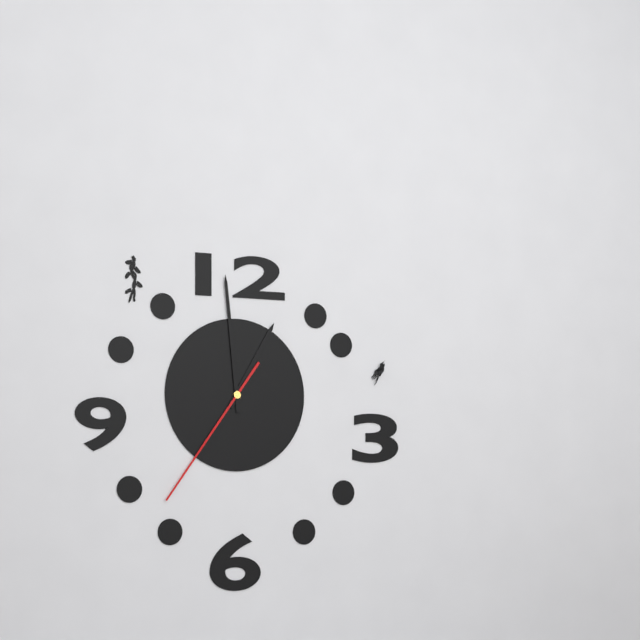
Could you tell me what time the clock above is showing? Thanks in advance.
12:59:36
